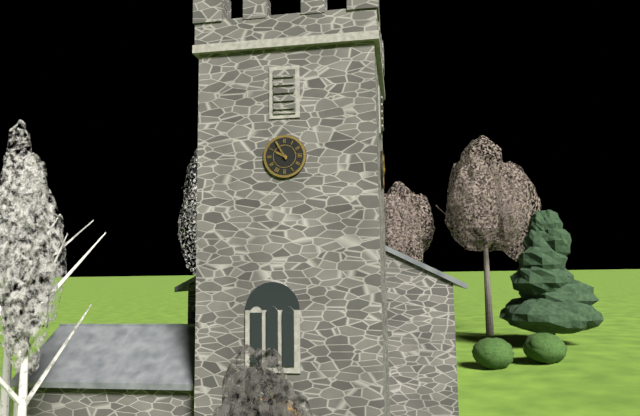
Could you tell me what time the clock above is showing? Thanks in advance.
9:55
